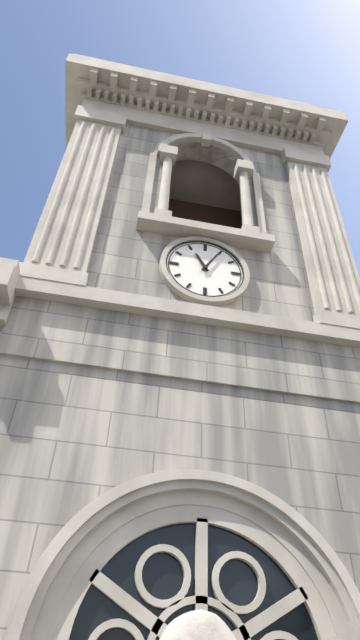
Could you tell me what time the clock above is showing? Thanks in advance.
11:05
